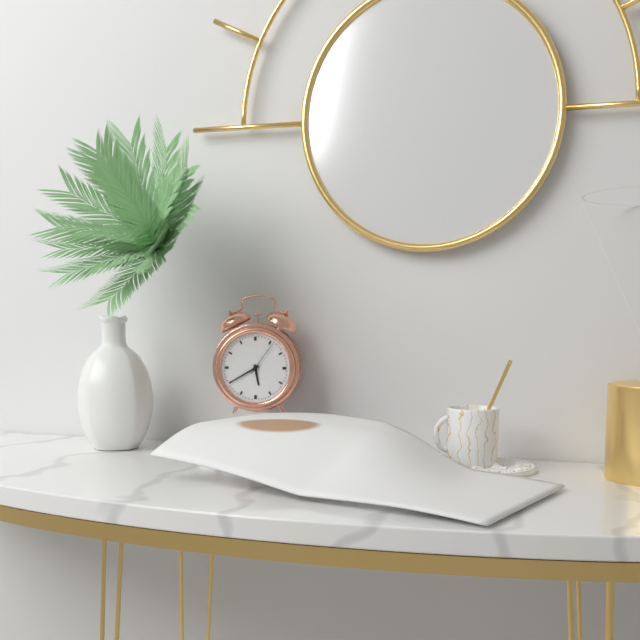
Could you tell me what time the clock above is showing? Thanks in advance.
5:40
